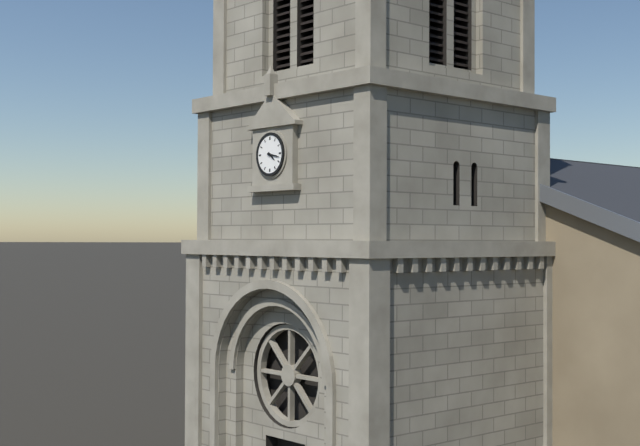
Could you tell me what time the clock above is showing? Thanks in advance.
4:17
